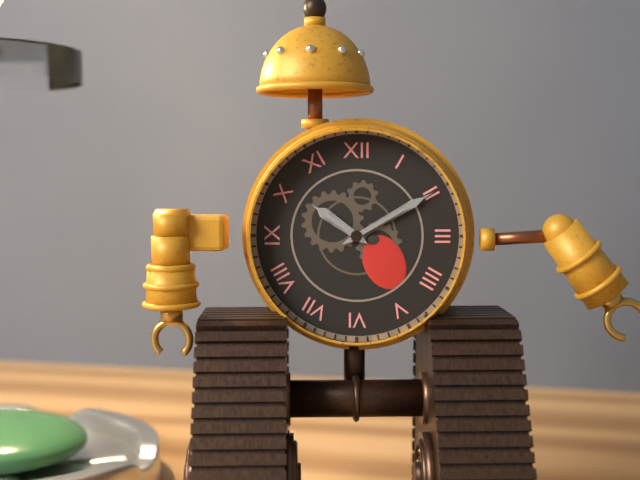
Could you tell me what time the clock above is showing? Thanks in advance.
10:10
